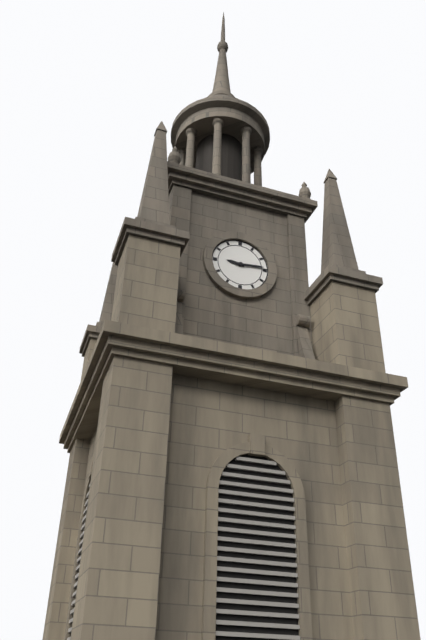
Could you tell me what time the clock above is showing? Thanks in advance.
9:14
